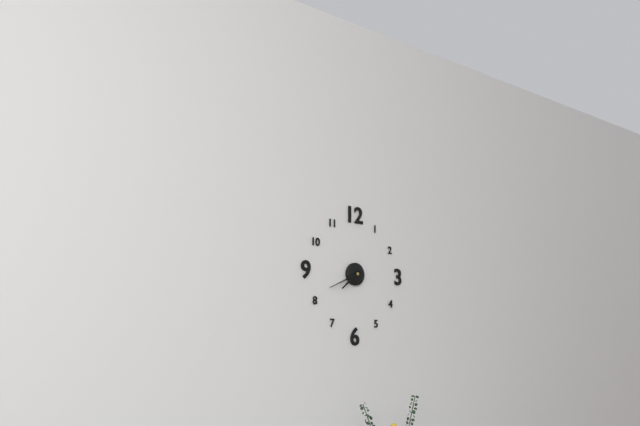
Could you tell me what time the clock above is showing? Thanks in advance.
7:41
